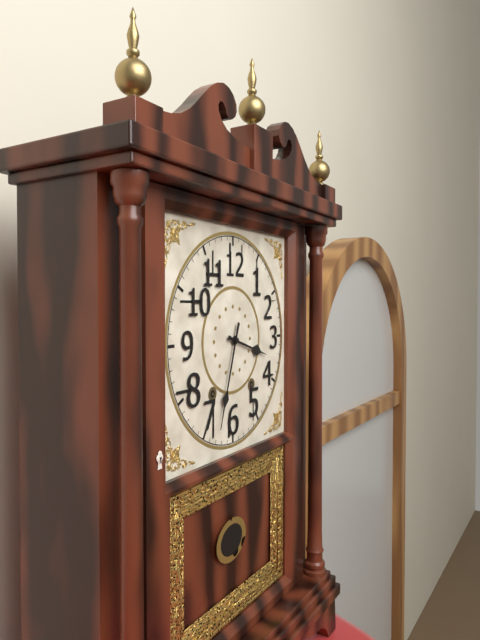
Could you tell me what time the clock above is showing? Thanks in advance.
3:33
